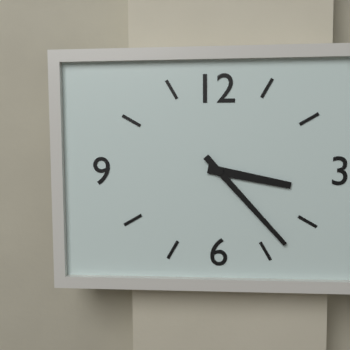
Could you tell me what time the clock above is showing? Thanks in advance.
3:23
